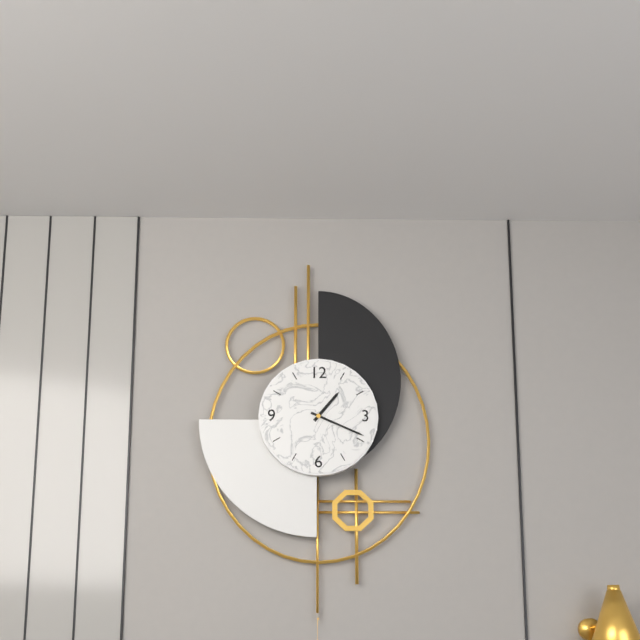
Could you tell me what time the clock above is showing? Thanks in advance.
1:19
